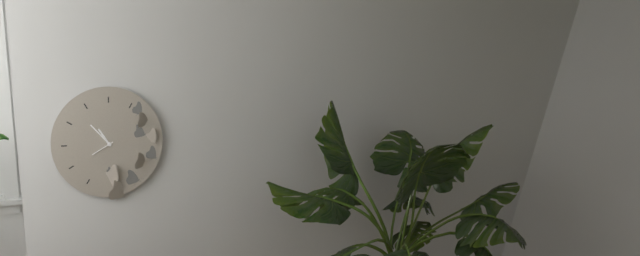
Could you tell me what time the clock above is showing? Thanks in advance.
10:53
